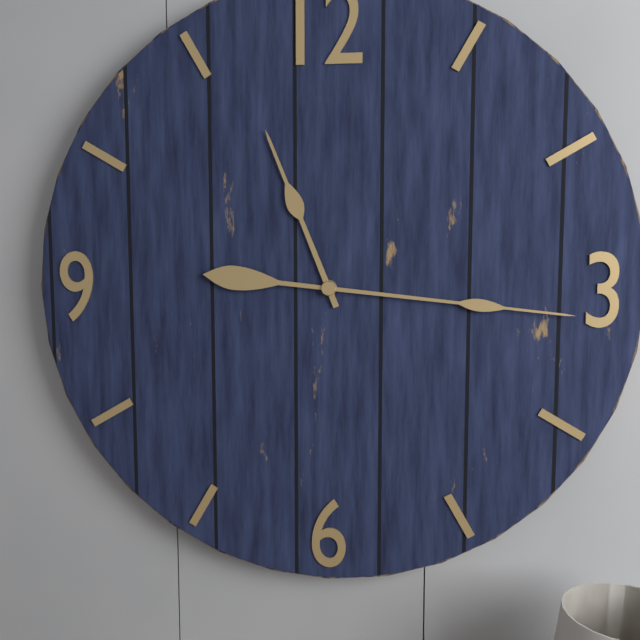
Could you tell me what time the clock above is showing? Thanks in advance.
11:16
